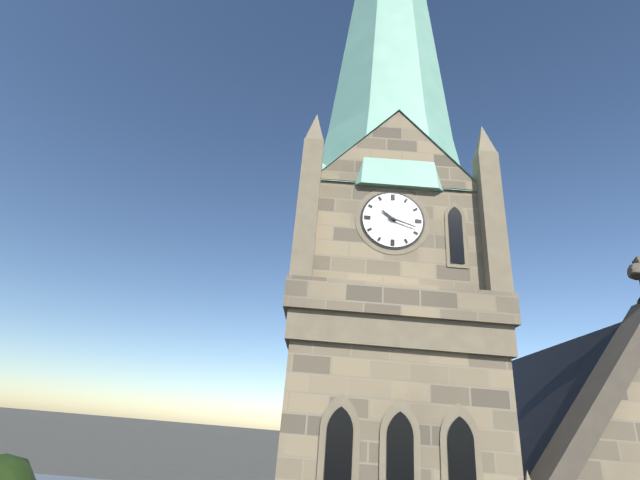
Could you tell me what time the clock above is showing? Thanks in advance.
10:18
